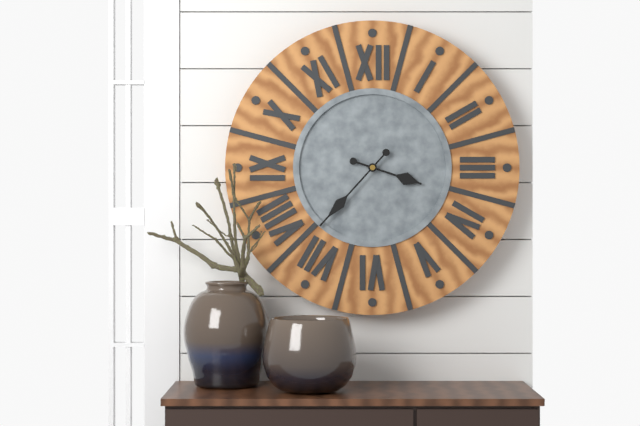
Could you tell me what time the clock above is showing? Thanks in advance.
3:37
